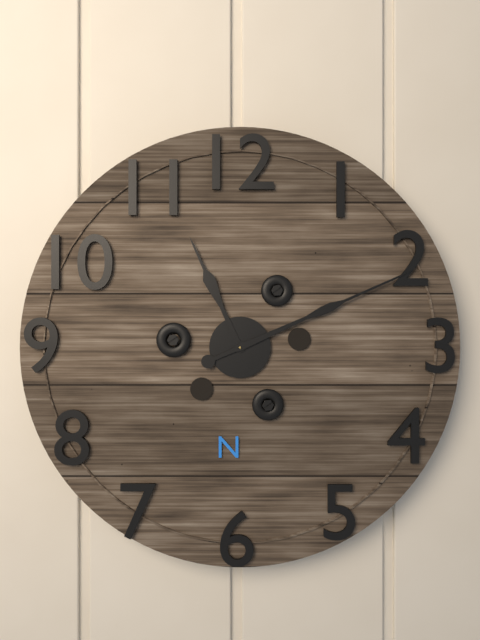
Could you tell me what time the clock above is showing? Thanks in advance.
11:11
